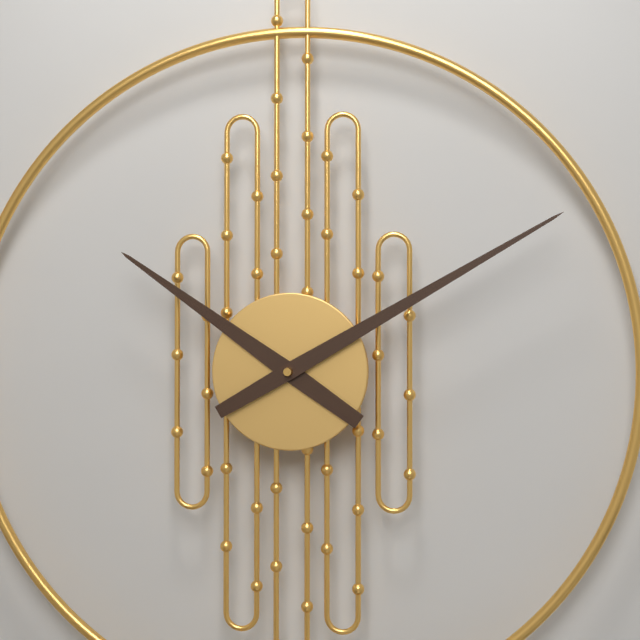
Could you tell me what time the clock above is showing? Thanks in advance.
10:10
